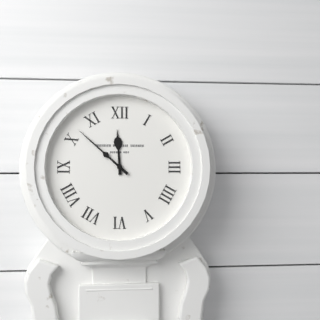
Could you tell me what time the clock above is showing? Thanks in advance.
11:52
